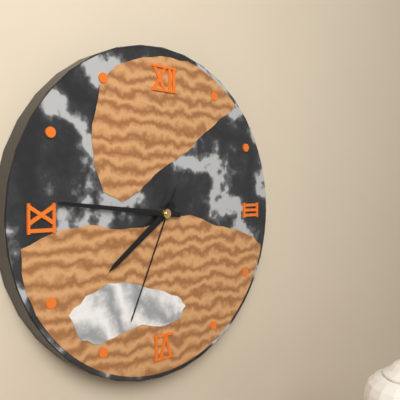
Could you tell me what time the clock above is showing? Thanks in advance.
7:46:34
